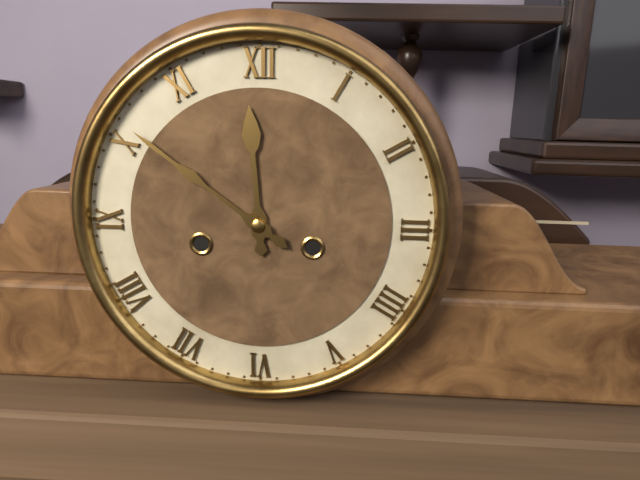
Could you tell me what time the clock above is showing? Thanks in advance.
11:51
